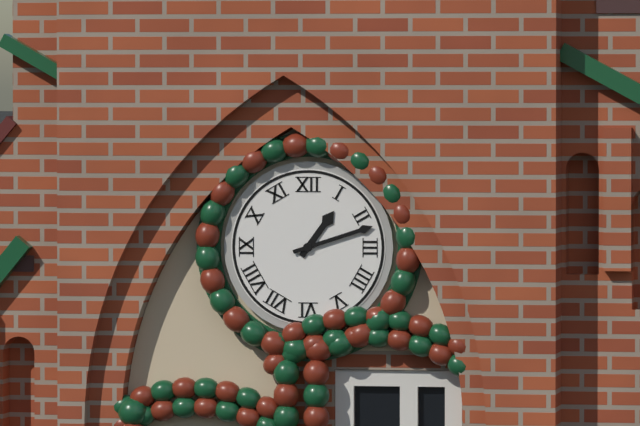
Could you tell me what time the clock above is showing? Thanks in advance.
1:12
